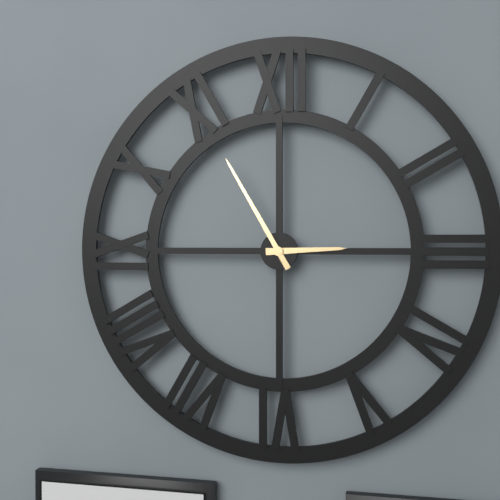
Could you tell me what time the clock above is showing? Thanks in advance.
2:55
